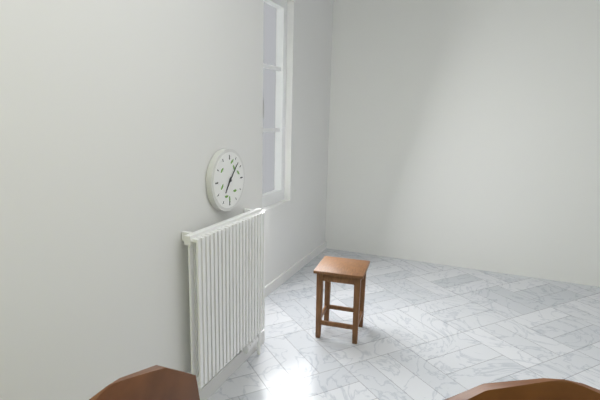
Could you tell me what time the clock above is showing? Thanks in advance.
7:07
